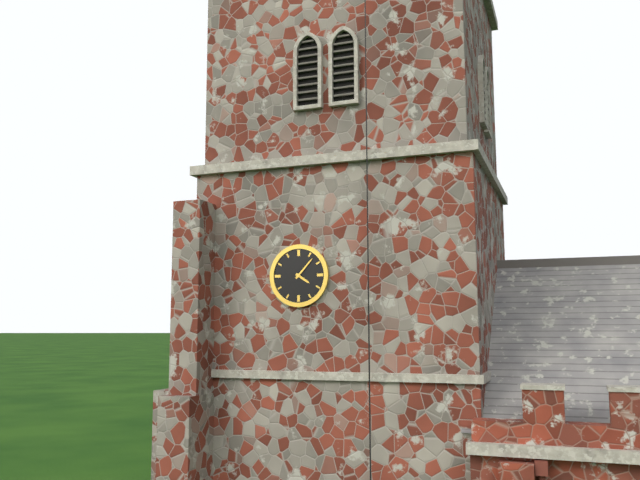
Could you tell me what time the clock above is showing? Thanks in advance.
4:07
